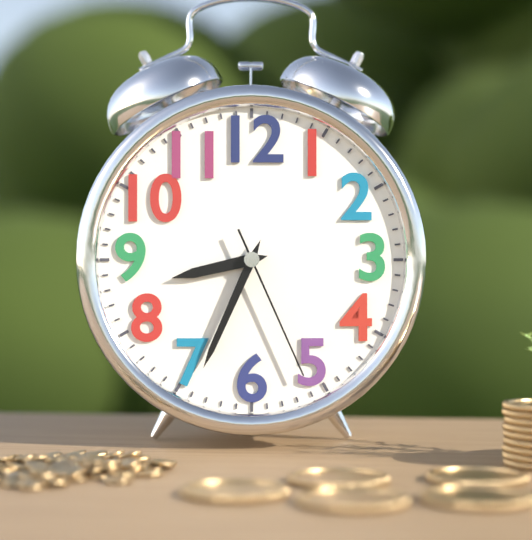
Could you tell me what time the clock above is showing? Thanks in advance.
8:34:26
